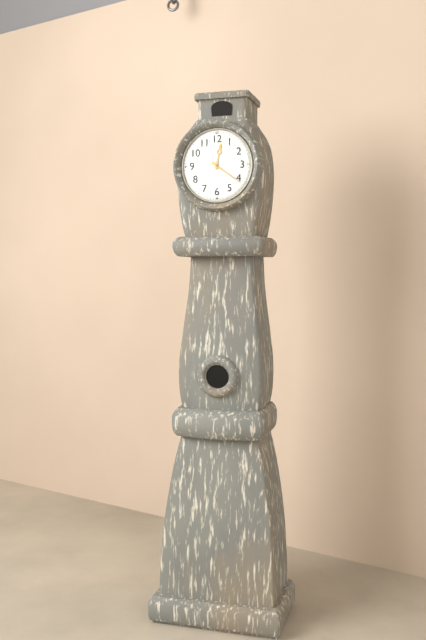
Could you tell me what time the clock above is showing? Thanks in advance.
12:21
